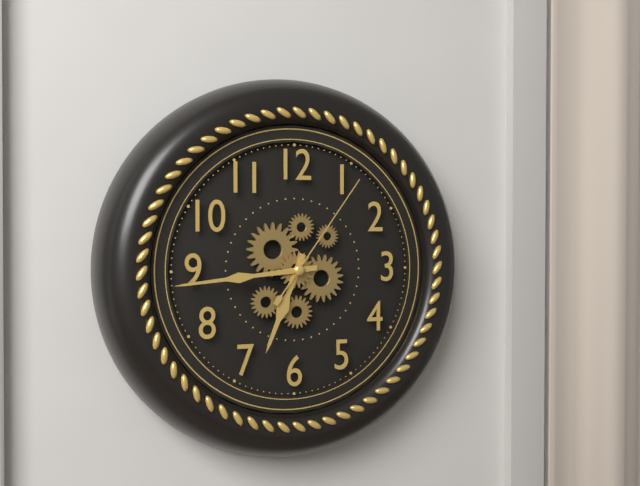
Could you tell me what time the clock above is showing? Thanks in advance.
6:44:06
